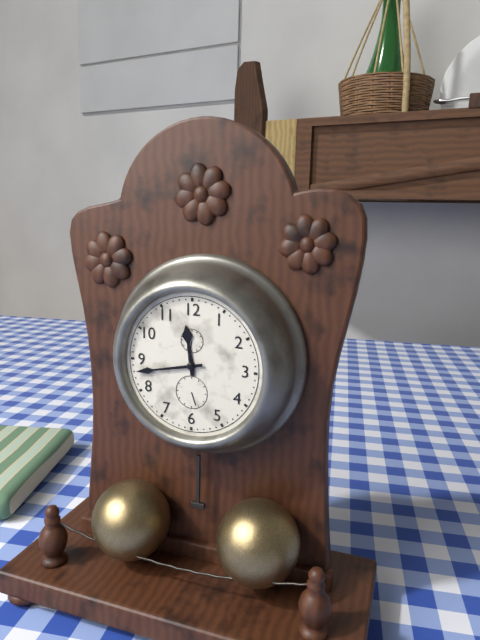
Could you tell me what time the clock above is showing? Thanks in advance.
11:43
